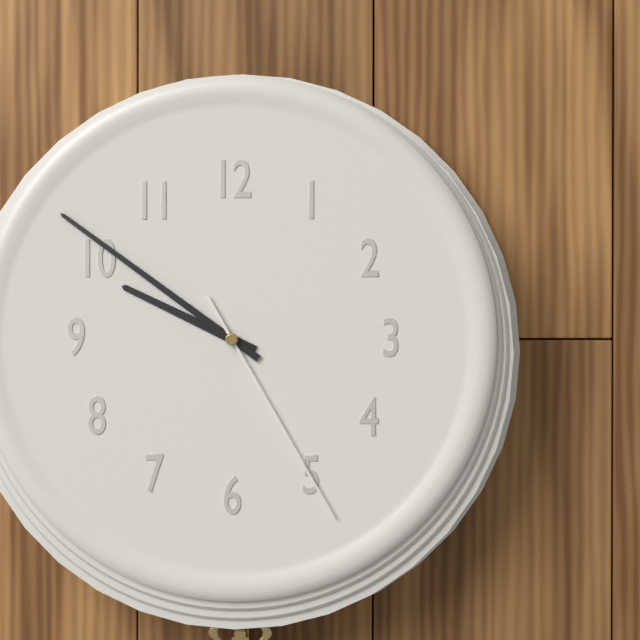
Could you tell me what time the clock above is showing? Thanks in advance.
9:51:25
